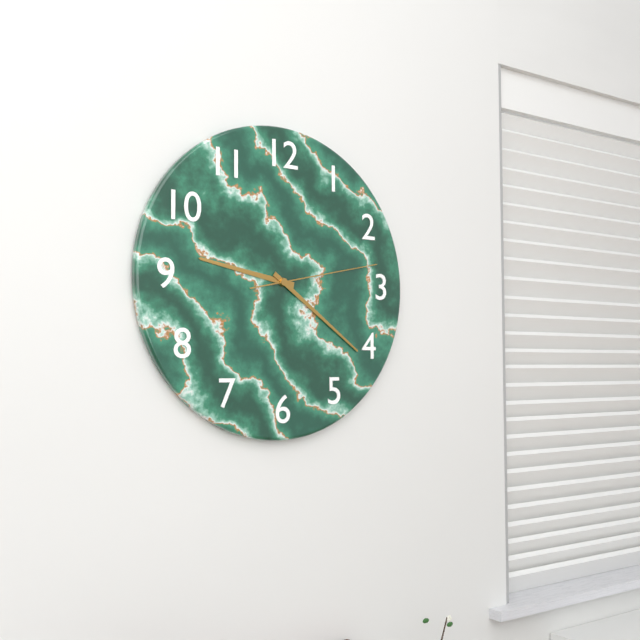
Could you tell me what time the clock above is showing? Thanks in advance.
9:21:13
